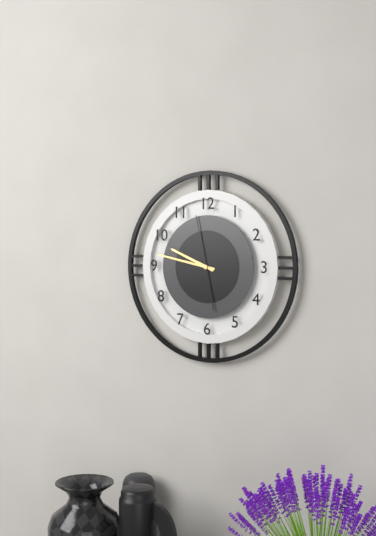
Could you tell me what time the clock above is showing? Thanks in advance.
9:47:58
